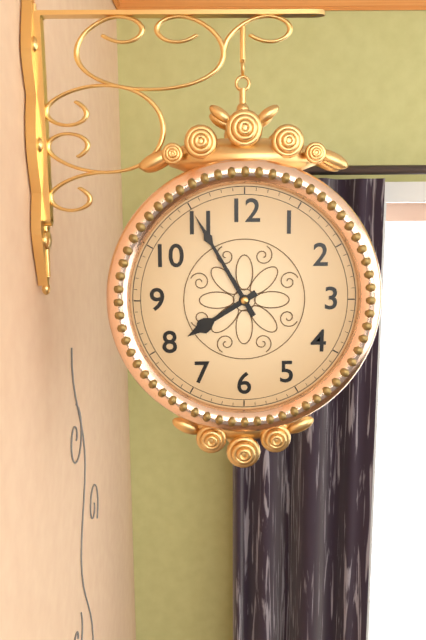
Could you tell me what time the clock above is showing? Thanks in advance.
7:55
